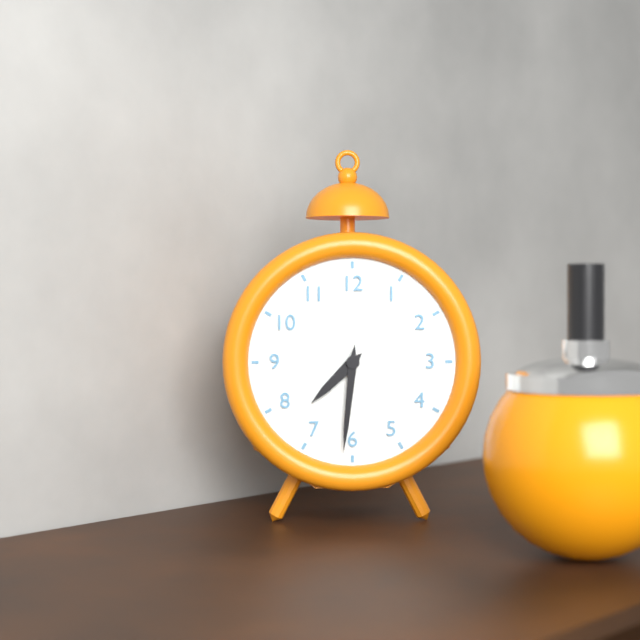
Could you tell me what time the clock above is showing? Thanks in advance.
7:31
